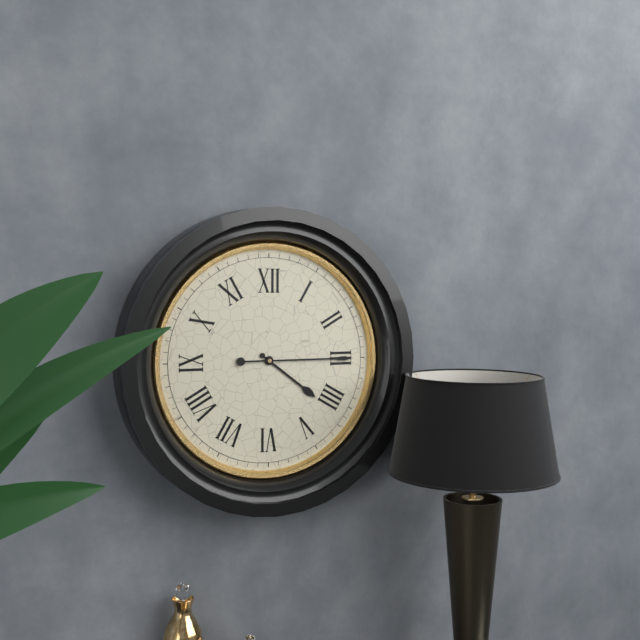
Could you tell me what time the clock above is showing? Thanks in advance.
4:15
